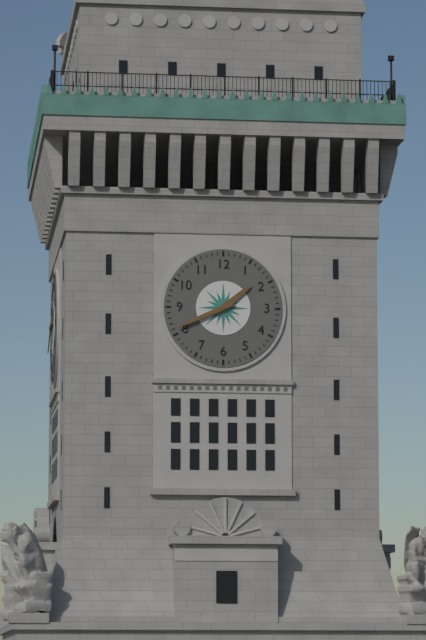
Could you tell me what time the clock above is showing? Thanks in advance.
1:41
